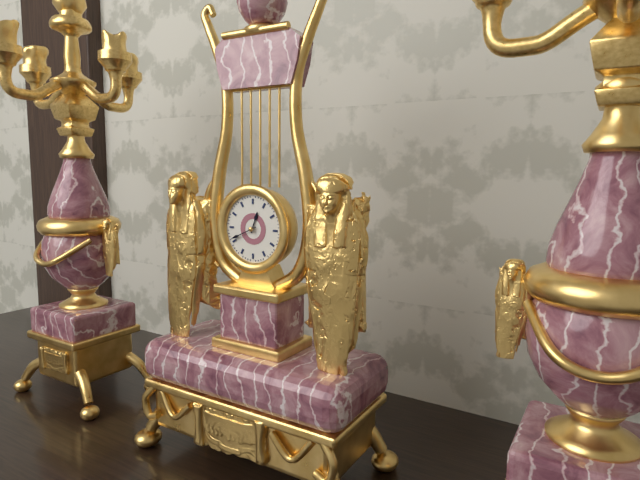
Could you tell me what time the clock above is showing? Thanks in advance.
12:41
